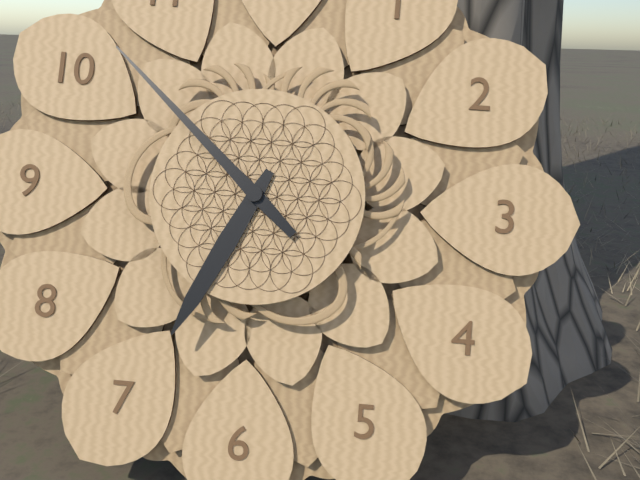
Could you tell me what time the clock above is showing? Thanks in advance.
6:52
